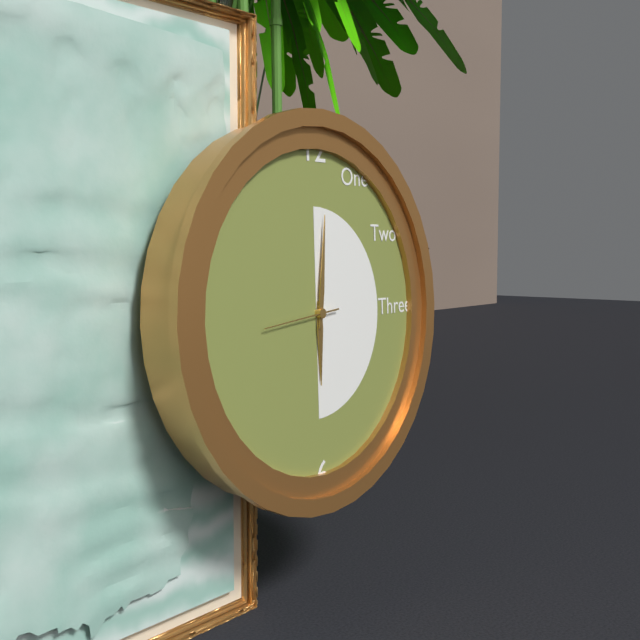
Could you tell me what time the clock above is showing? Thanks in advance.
6:01:44
